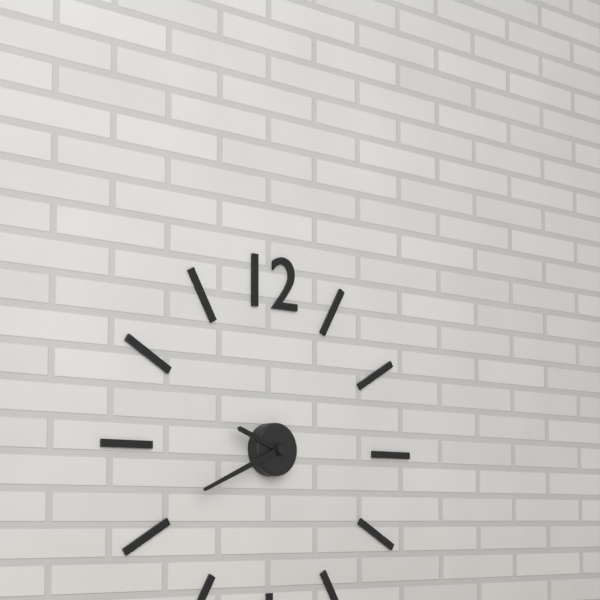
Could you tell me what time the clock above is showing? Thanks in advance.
9:41
